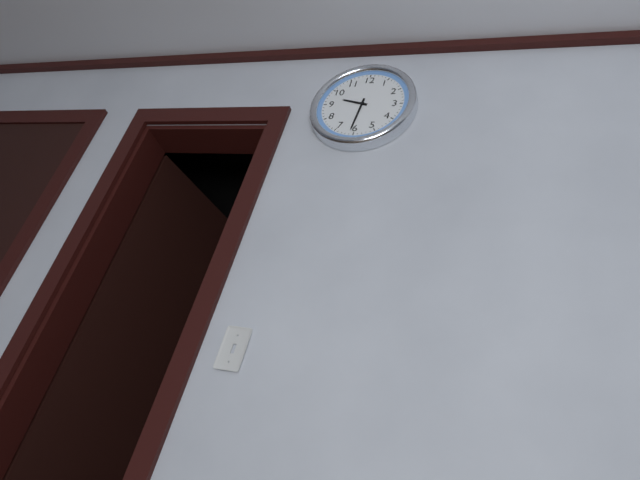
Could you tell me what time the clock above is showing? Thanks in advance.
9:31
